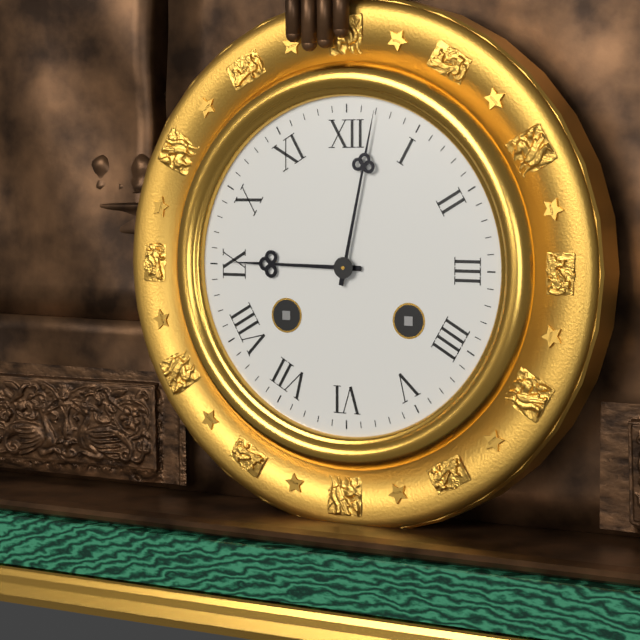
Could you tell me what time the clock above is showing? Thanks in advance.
9:02
